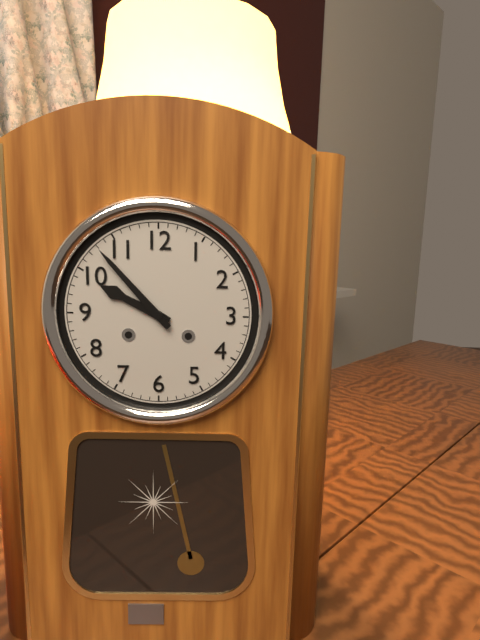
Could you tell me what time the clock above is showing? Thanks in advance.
9:53
